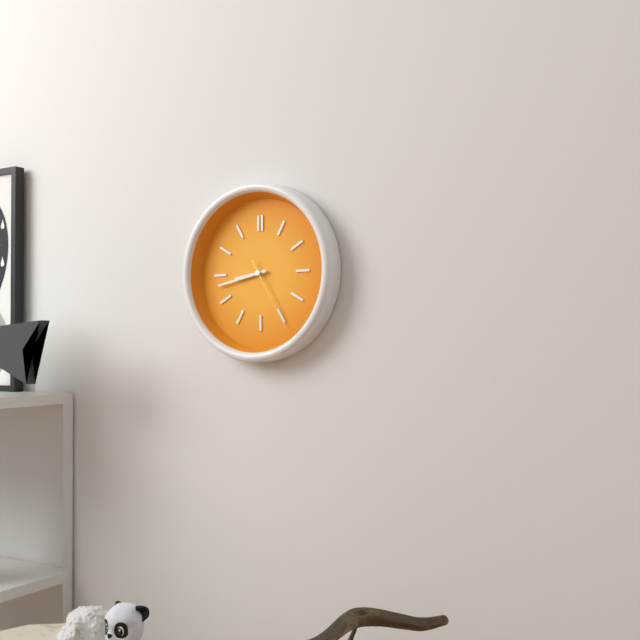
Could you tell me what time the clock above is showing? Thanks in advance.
8:43:25
